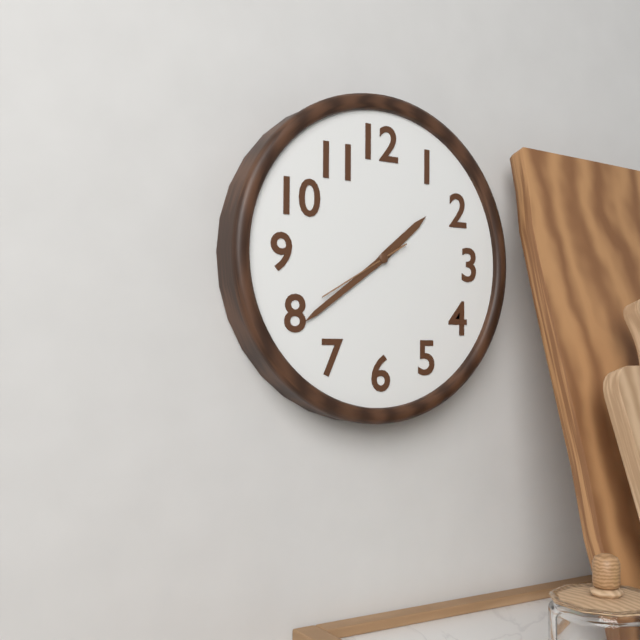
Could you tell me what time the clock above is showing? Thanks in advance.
1:39:40
